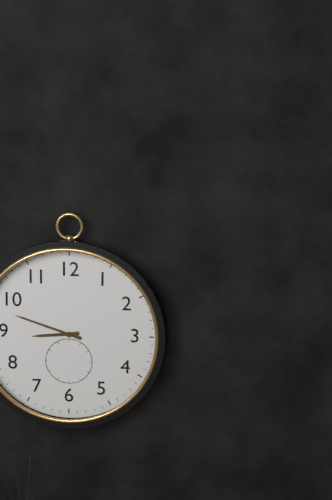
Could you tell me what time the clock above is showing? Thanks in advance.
8:48
